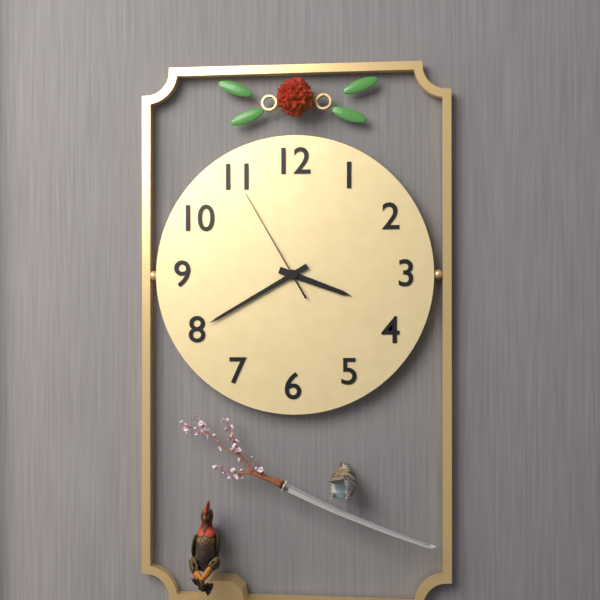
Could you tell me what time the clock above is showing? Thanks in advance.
3:40:55
